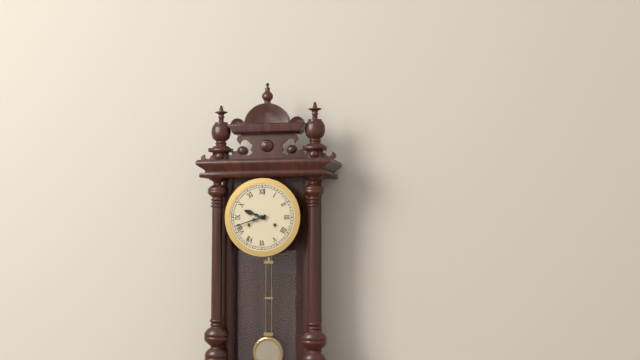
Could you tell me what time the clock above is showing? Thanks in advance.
9:42
